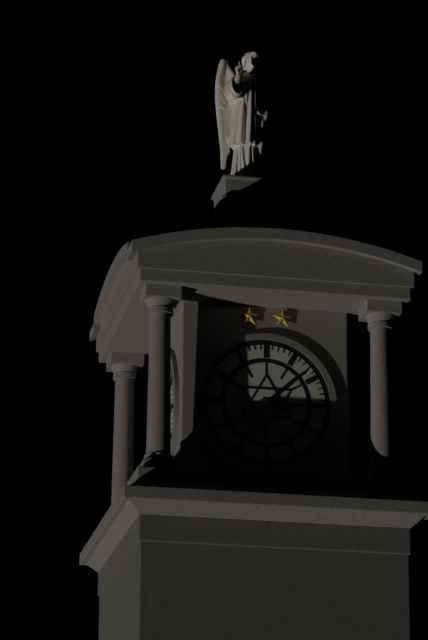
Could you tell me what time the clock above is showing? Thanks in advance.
3:08
